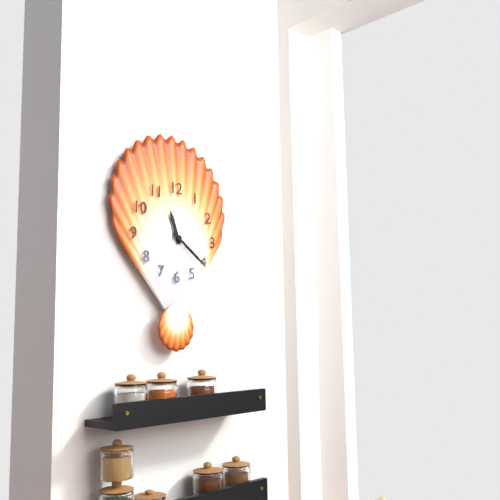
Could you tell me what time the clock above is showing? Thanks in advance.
11:21
